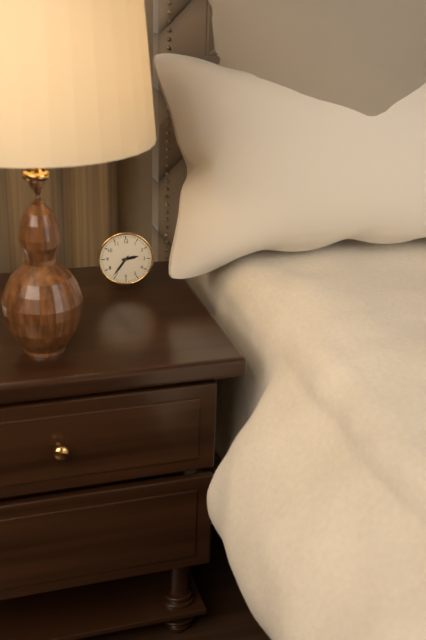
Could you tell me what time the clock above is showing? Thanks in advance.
2:36
